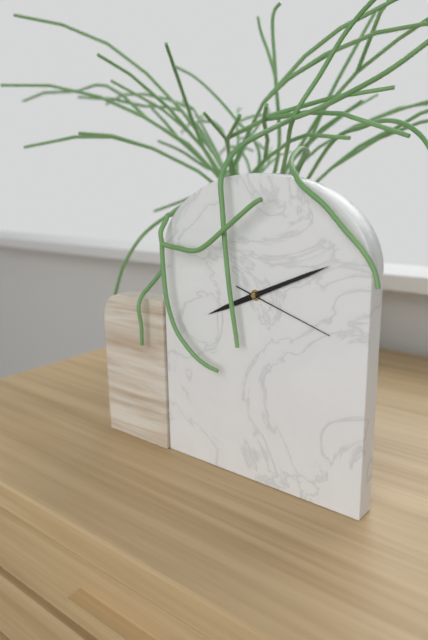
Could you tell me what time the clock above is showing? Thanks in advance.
8:11:18
